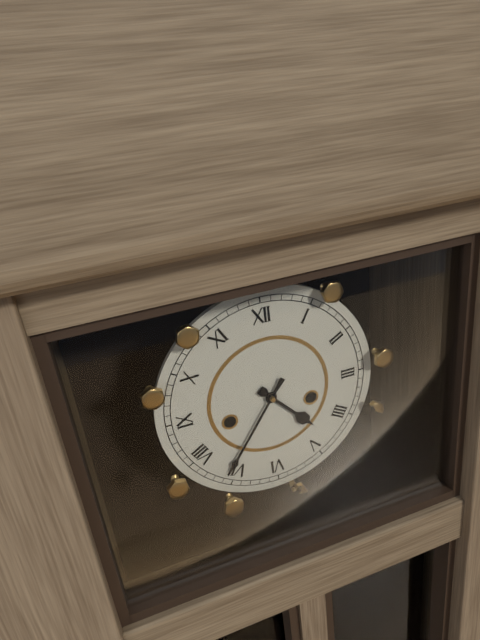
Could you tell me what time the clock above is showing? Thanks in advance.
4:36
